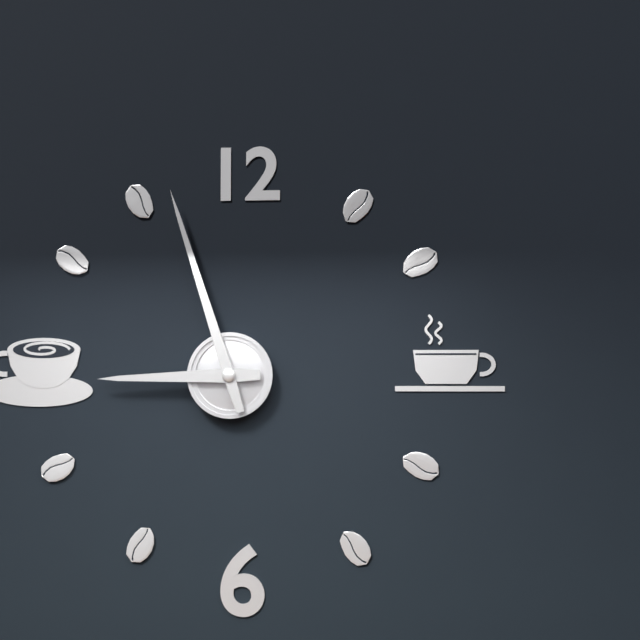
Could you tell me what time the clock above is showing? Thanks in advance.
8:57
